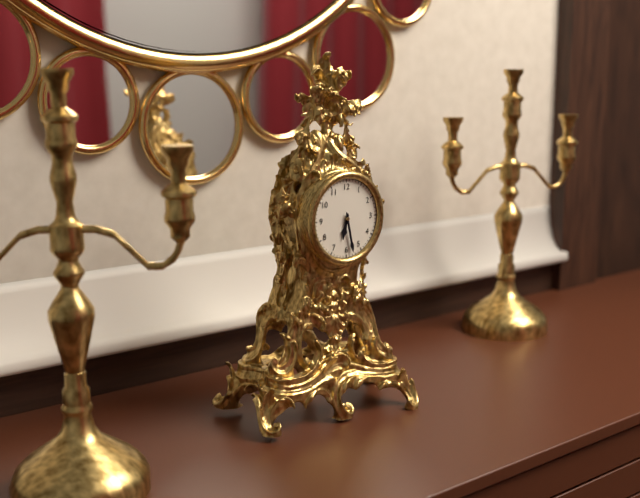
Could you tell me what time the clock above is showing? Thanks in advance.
6:28
